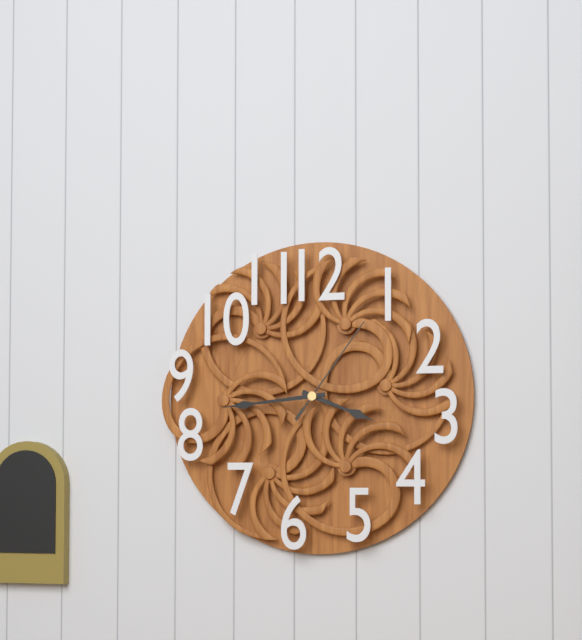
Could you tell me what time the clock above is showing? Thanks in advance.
3:44:06
